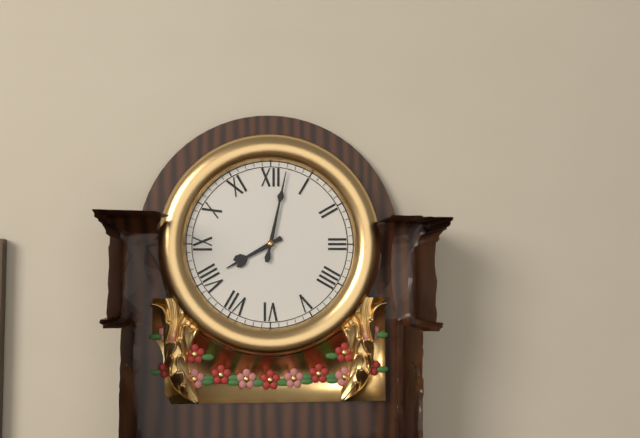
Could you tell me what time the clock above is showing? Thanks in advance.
8:02
